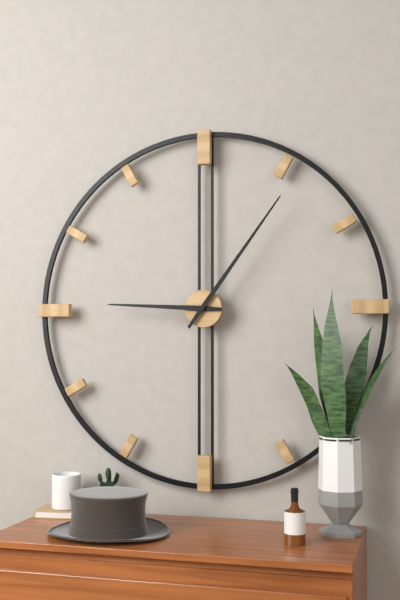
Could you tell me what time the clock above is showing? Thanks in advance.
9:06
